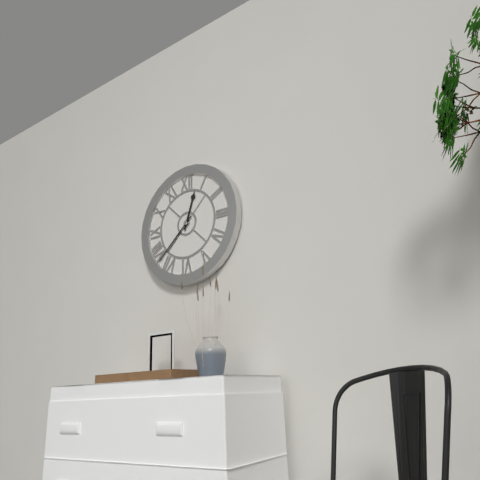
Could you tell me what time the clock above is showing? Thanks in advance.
12:38
